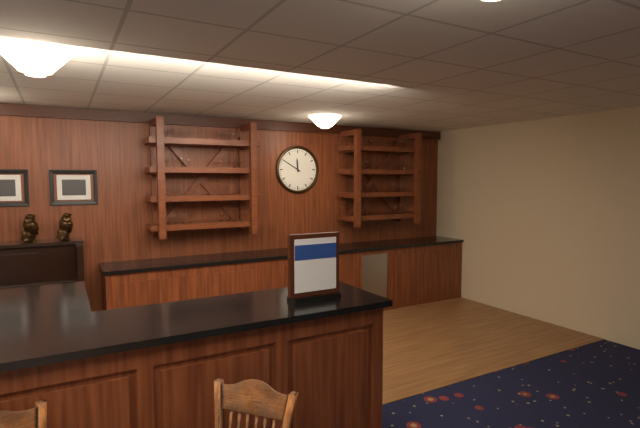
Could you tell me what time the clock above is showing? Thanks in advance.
11:50
